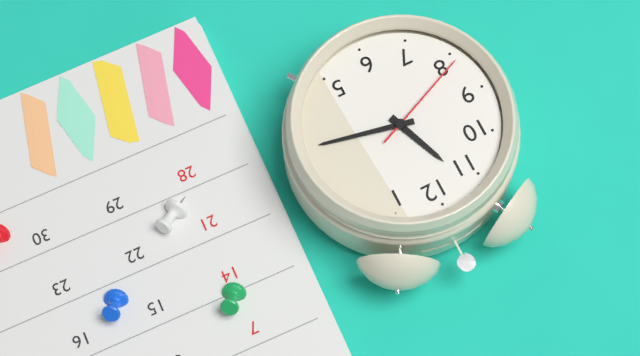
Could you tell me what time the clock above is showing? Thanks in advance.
11:17:41
